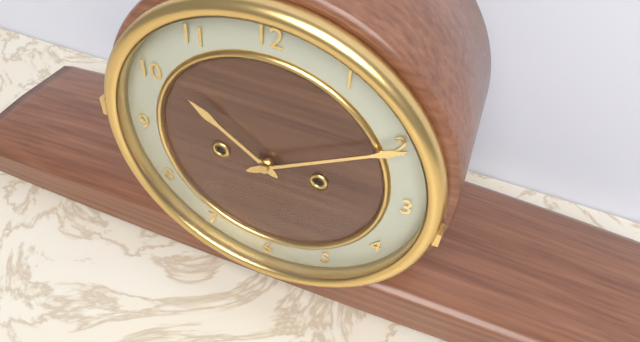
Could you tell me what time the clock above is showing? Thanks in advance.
10:10
